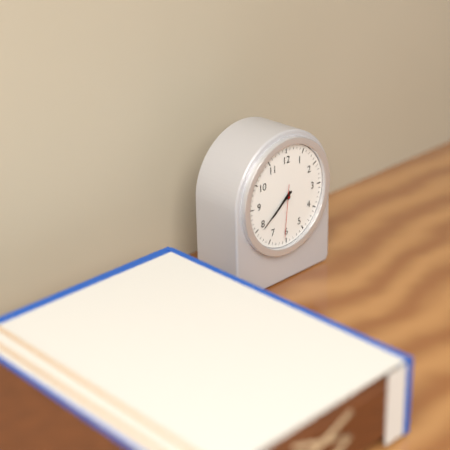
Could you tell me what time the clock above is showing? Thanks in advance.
7:39:31
